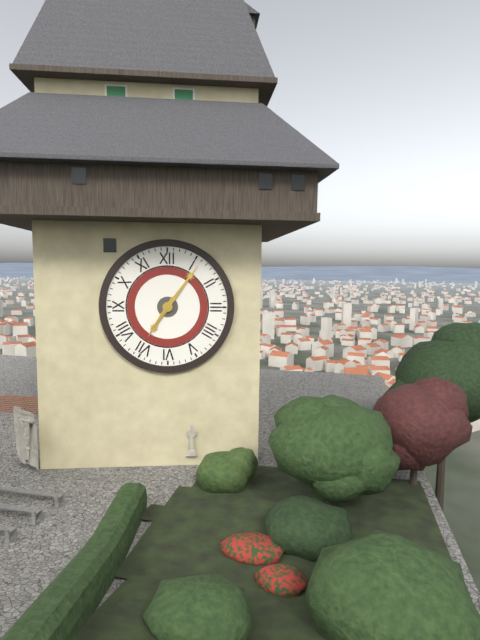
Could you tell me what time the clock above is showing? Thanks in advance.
7:06
